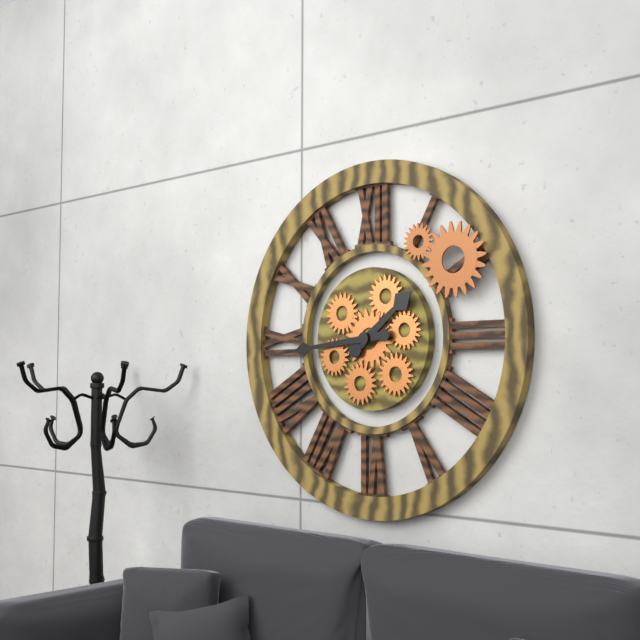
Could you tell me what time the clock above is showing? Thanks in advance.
1:44
